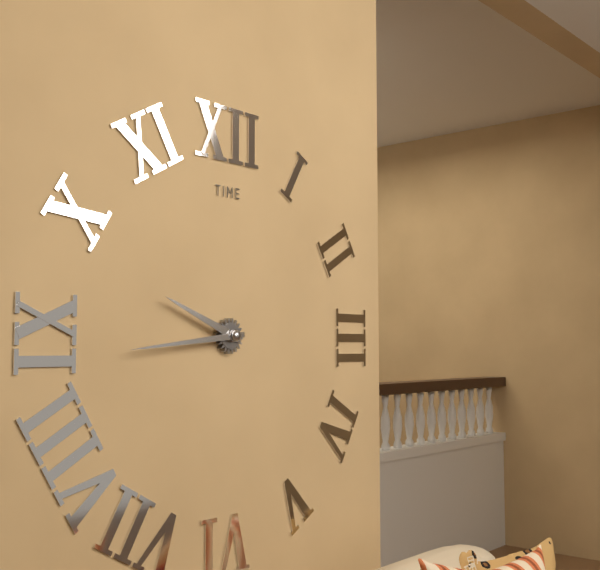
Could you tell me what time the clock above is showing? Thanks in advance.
9:44
